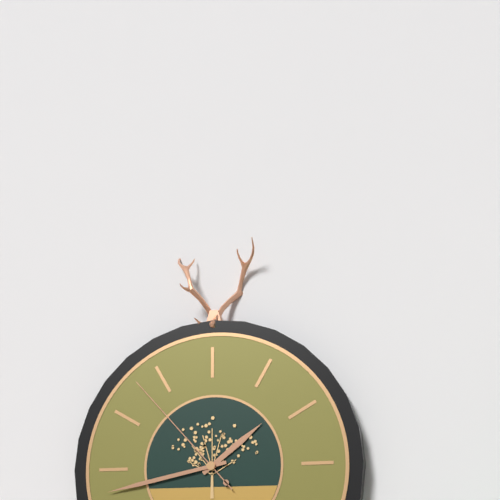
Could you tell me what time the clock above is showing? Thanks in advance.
1:43:53
